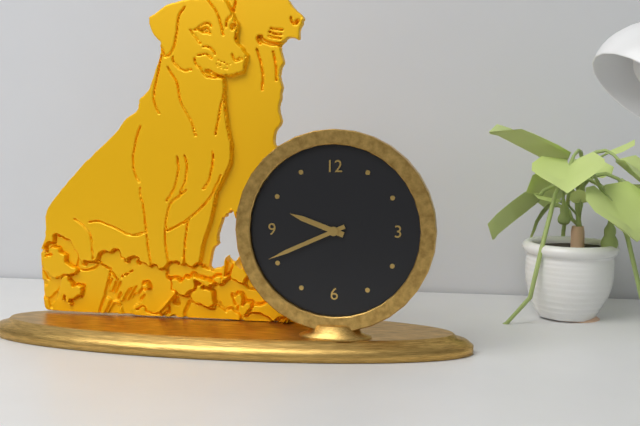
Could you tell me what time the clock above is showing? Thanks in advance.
9:41
